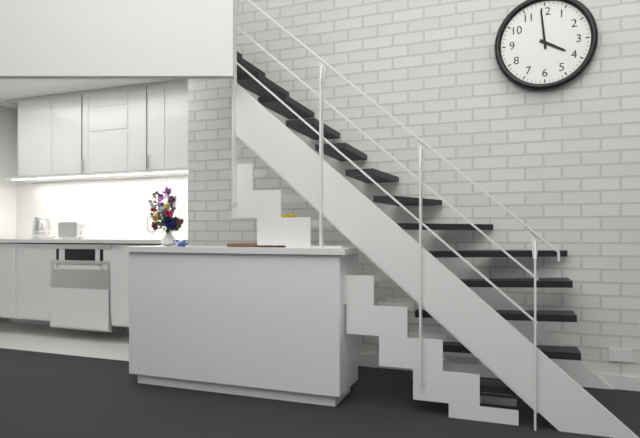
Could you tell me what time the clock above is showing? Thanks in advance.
3:59
